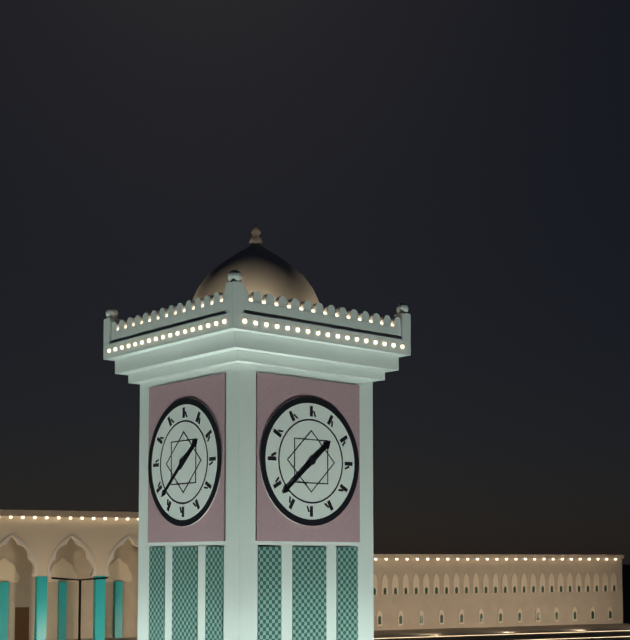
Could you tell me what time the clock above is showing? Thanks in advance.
1:38
